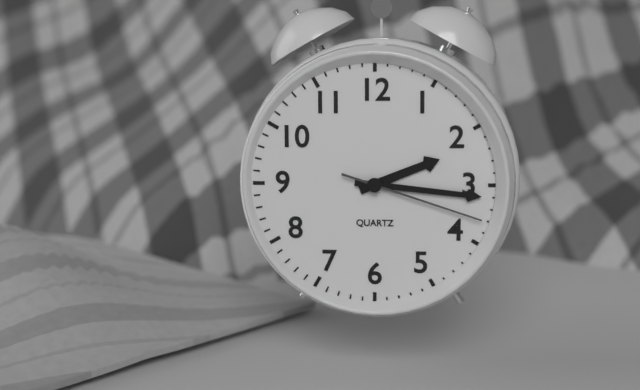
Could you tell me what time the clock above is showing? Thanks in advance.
2:16:18
